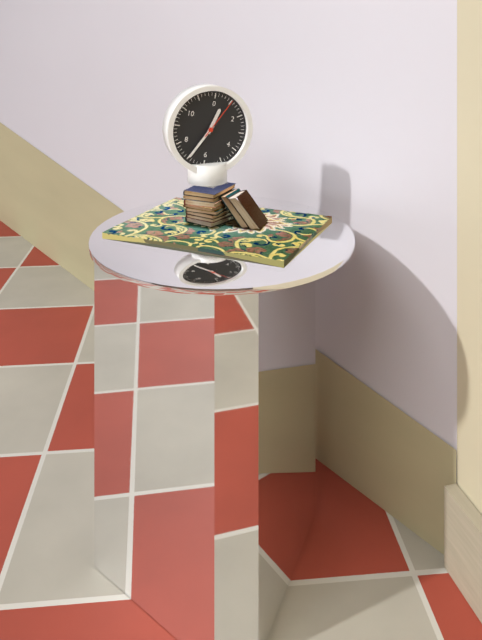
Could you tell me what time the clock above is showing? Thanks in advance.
12:35
